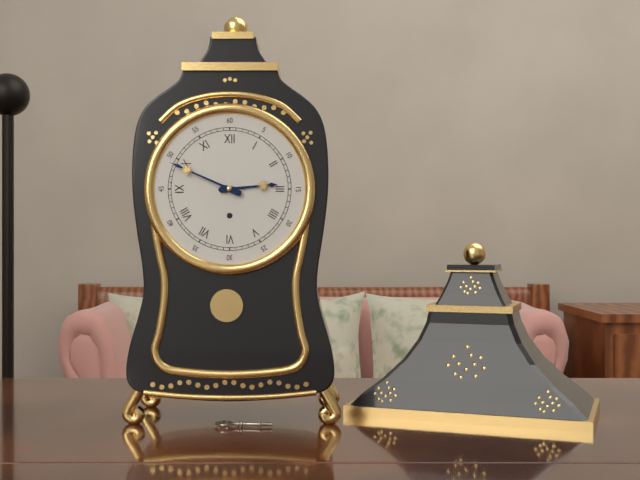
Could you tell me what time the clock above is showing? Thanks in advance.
2:49
